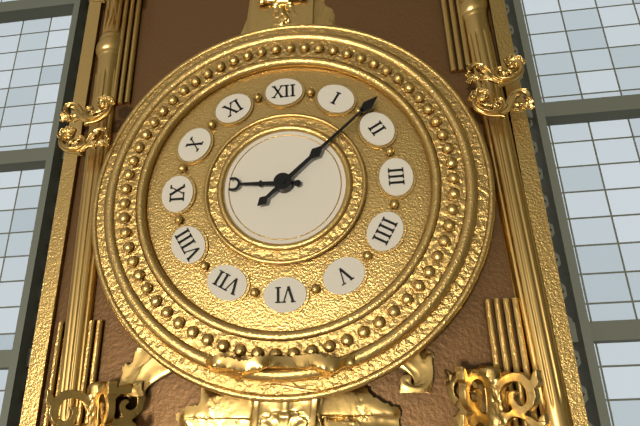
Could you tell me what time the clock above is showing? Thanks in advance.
9:08
